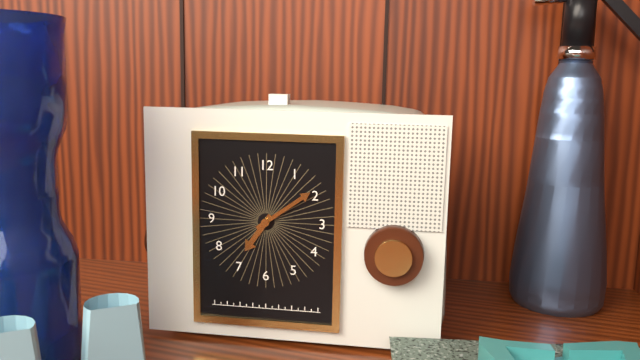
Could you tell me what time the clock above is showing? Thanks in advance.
7:09
